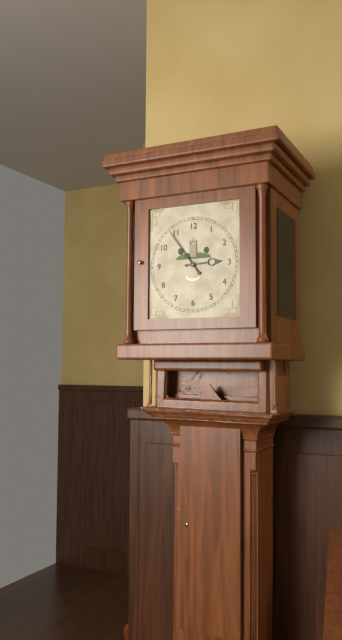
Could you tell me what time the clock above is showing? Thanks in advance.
2:54
